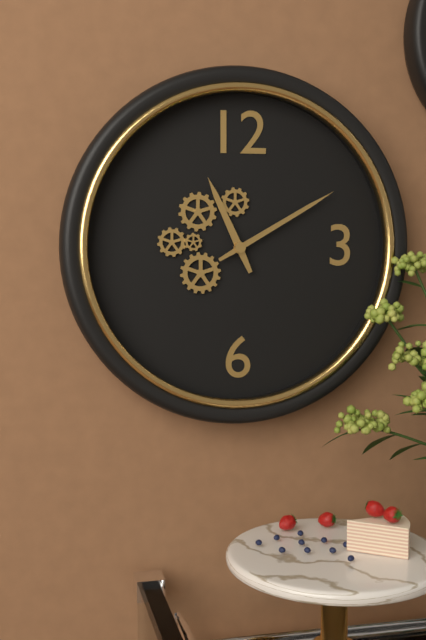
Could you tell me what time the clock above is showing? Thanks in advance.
11:10
